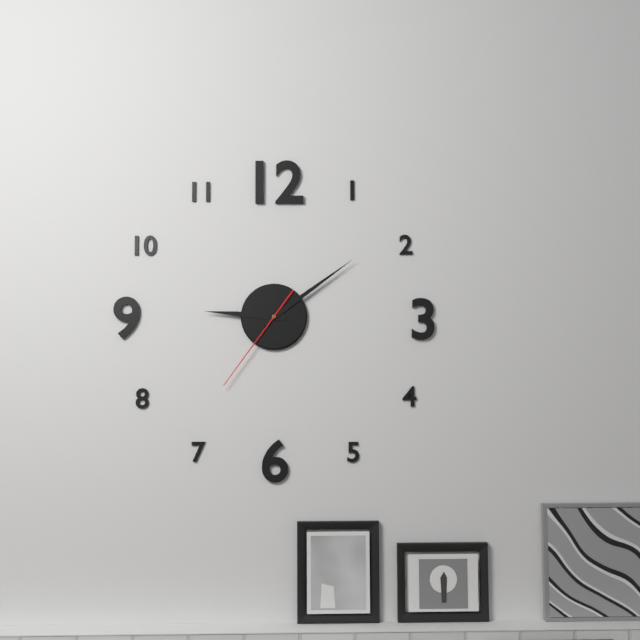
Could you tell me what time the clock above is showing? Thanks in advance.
9:09:36
